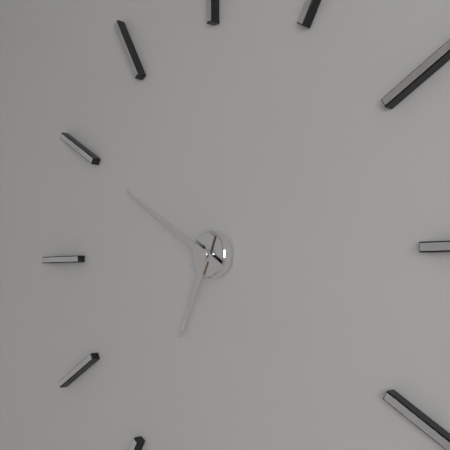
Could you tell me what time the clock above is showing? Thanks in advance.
6:50
